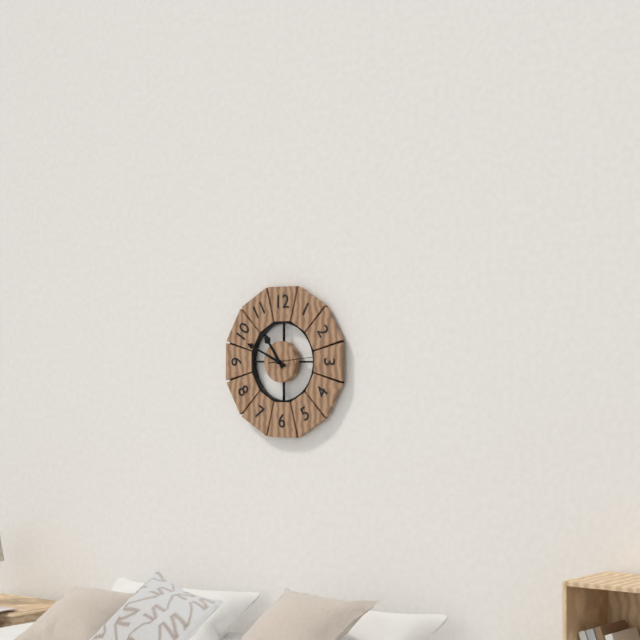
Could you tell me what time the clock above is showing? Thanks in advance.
10:49
